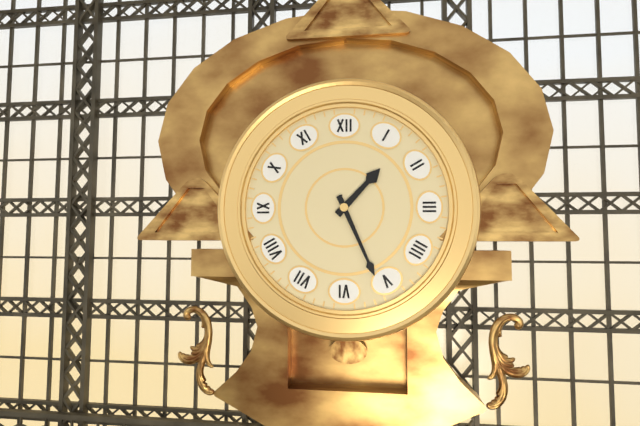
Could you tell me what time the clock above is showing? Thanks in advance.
1:26
